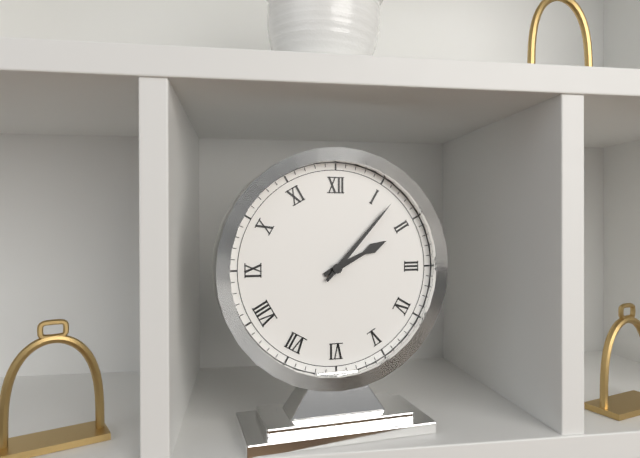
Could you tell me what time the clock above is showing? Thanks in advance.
2:07
